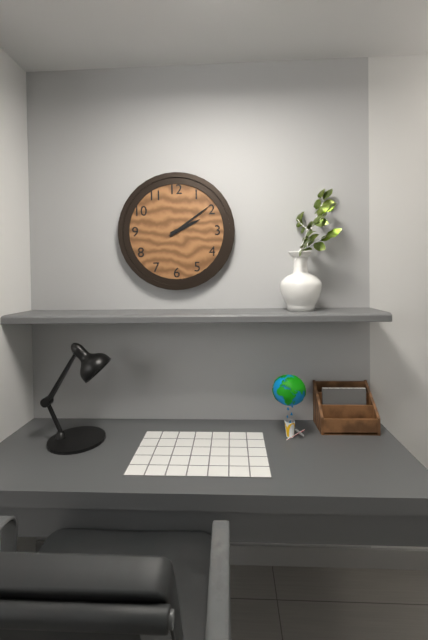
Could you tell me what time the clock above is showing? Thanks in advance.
2:09
